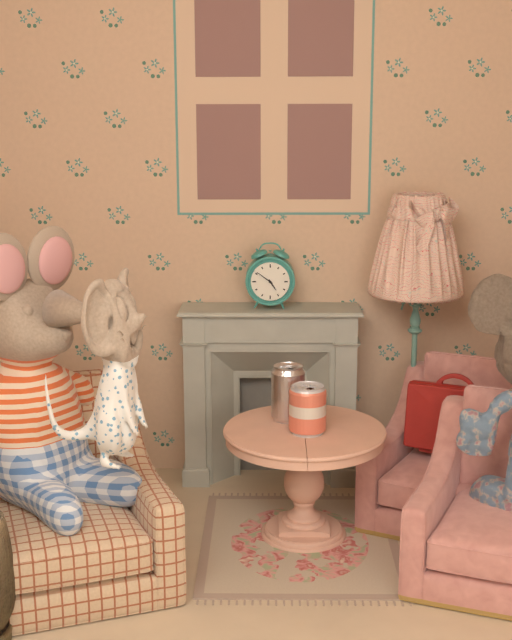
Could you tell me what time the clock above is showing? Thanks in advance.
4:51
